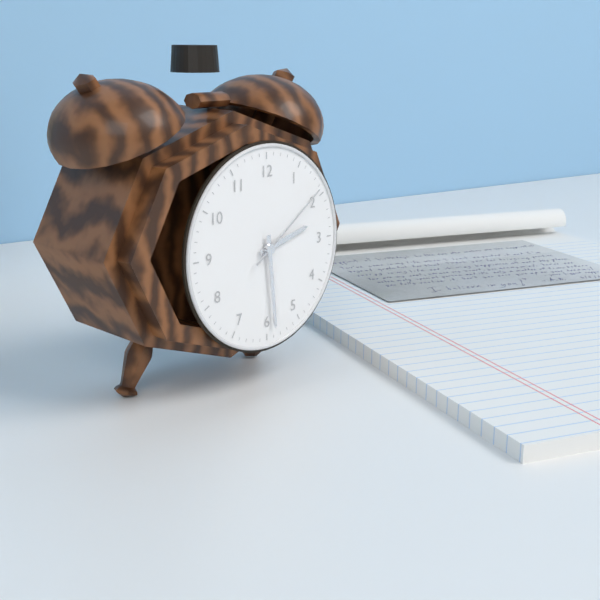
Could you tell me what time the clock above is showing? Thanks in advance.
2:29:09
